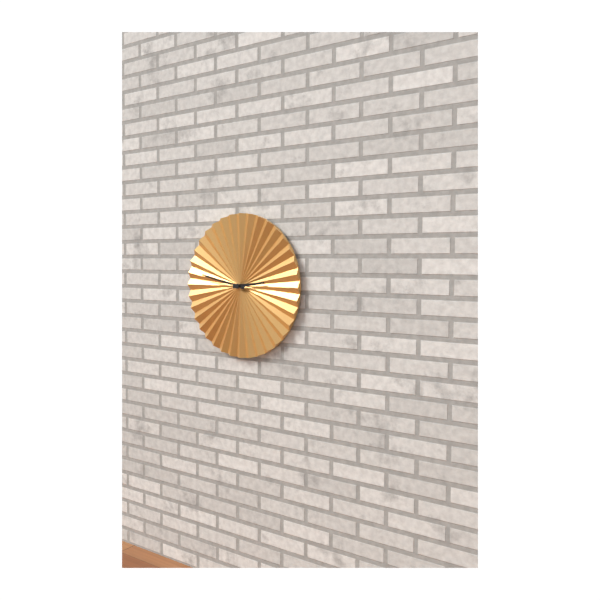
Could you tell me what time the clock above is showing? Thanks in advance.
2:47
